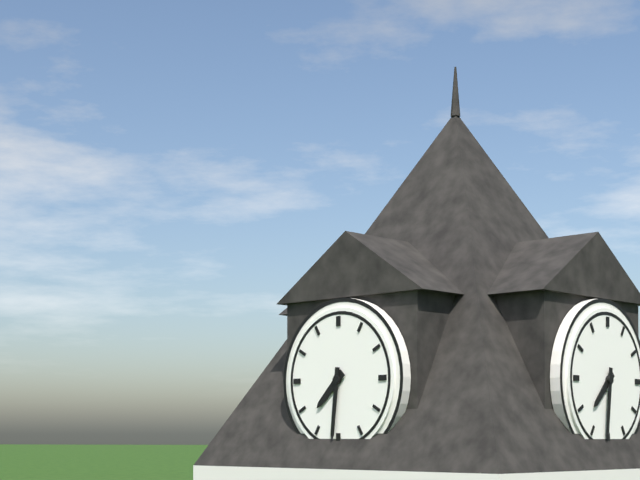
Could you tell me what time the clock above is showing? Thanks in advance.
7:31
